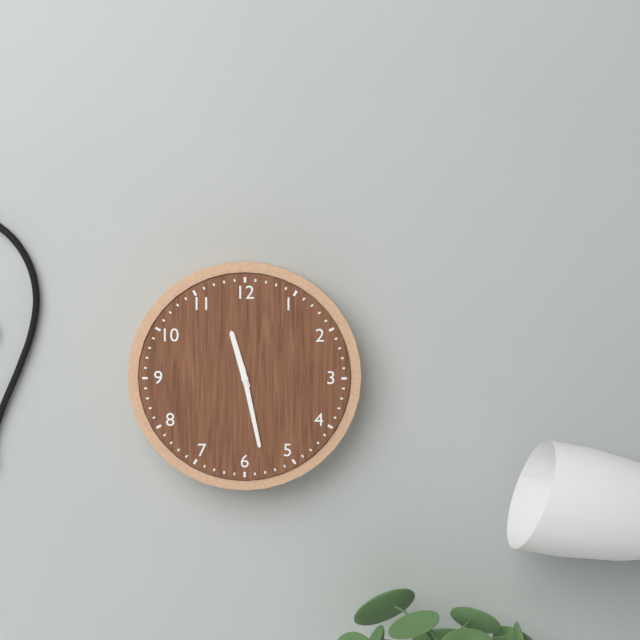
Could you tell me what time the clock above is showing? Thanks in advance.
11:28
